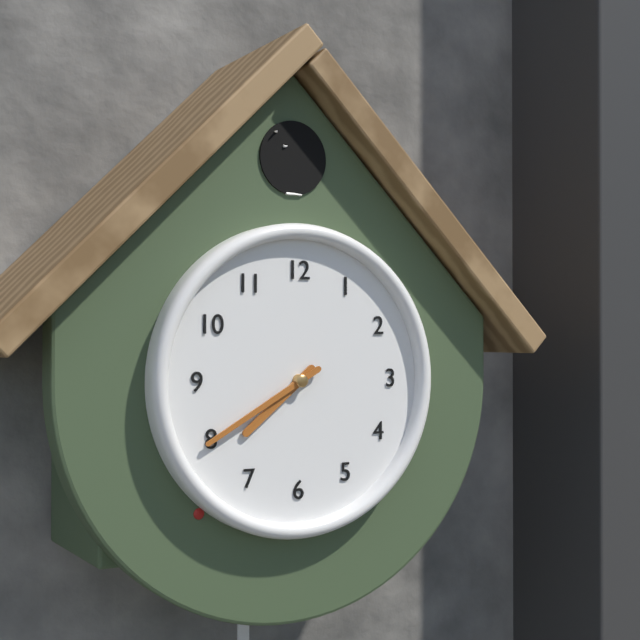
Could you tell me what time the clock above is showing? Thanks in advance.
7:40
